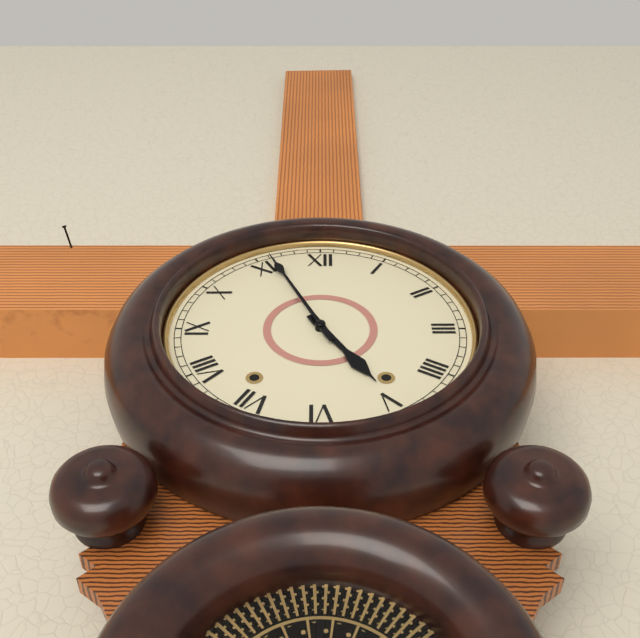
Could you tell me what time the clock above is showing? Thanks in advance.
4:56
